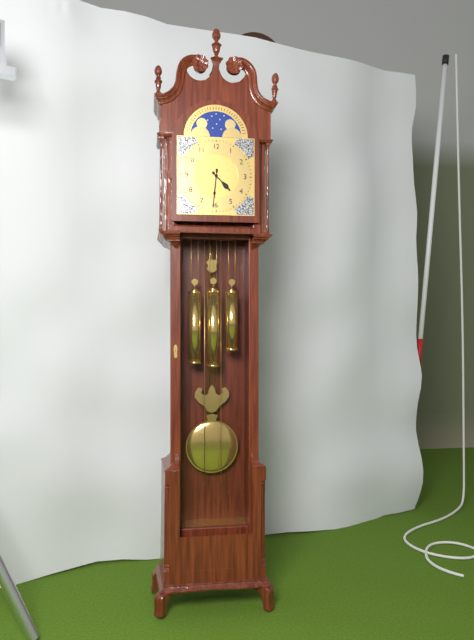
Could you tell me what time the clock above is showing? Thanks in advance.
4:31
